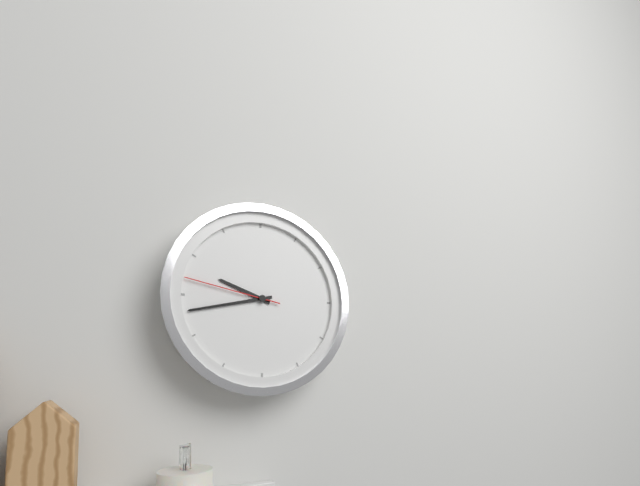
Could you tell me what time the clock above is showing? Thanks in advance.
9:43:47
